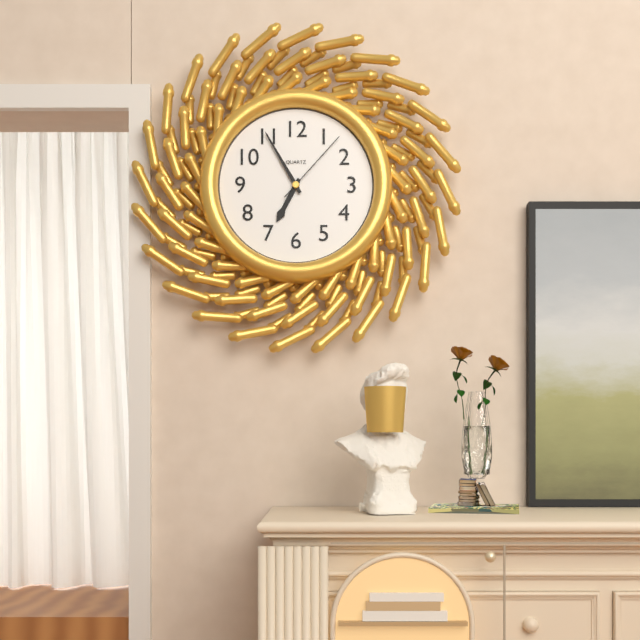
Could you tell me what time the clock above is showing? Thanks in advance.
6:55:07
